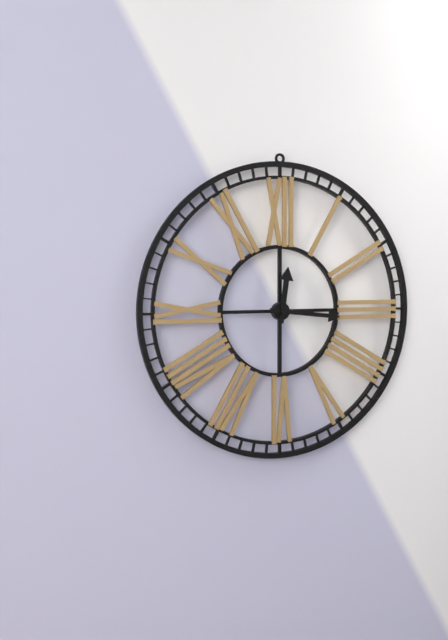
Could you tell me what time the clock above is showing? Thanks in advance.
12:16
